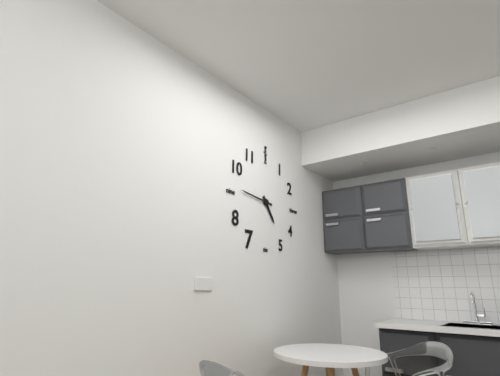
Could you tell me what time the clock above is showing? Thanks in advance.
4:46
